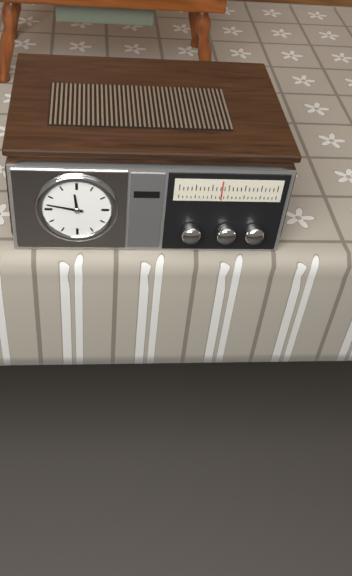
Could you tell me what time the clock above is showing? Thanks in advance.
11:47
